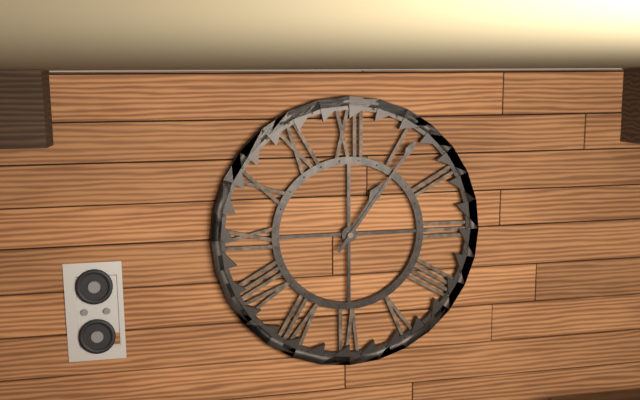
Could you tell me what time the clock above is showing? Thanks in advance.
1:06
